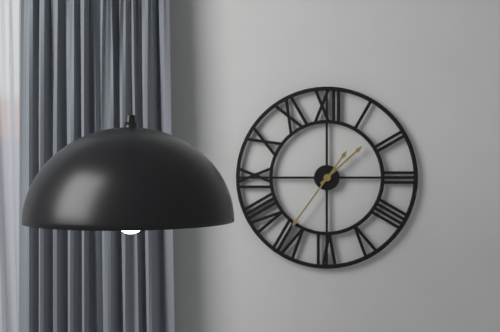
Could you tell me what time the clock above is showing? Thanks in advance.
1:36
